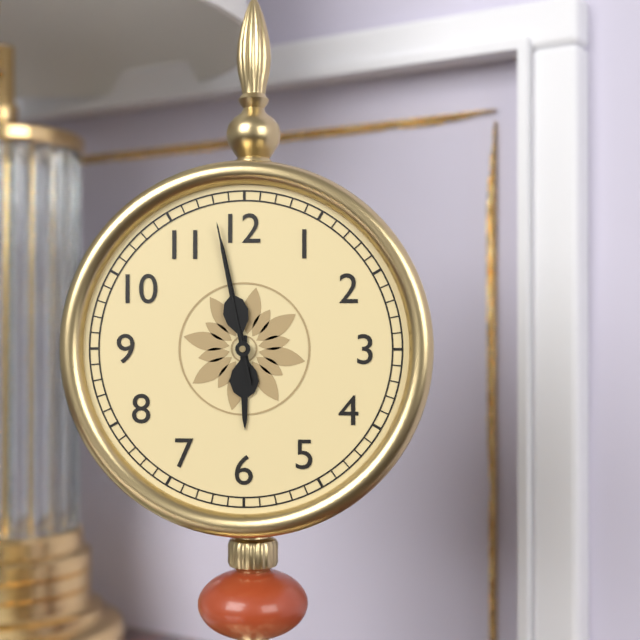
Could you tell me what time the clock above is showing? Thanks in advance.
5:58:58
